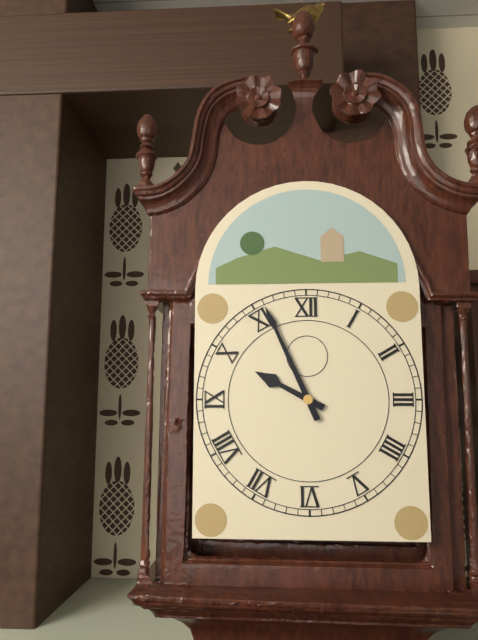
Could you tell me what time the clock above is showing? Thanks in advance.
9:56
